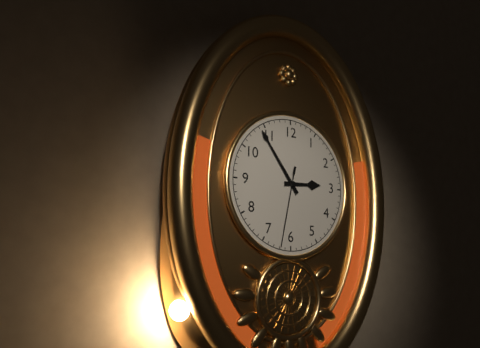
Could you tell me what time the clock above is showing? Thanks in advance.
2:54:32
